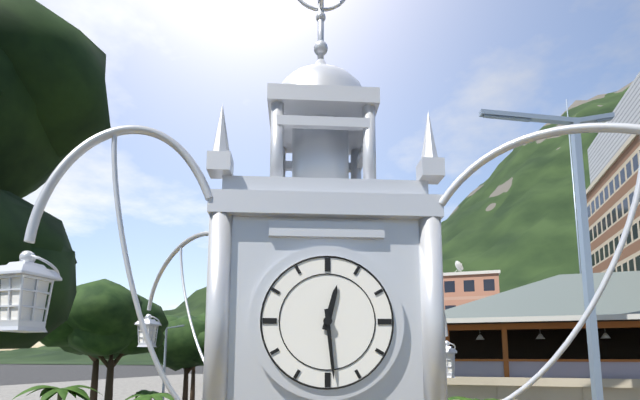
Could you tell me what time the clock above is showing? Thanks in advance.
12:29
